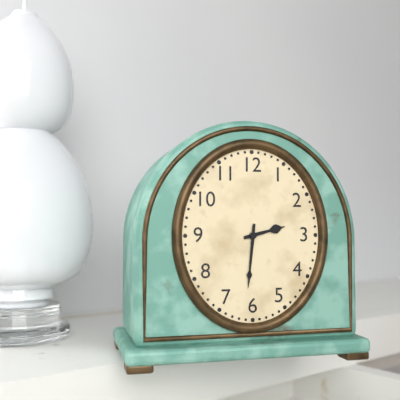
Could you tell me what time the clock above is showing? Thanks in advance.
2:31
